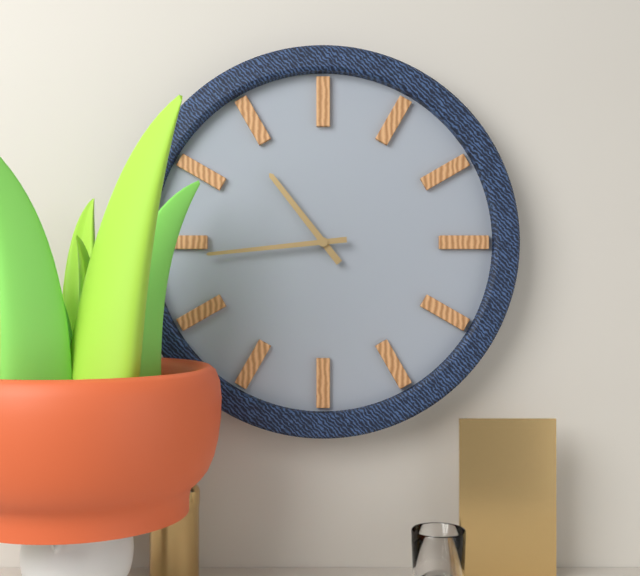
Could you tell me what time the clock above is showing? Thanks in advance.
10:44
